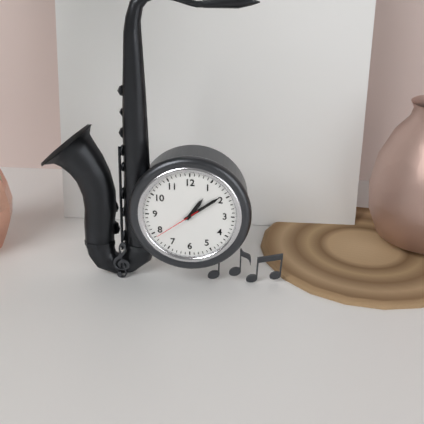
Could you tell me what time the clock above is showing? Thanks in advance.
1:09
